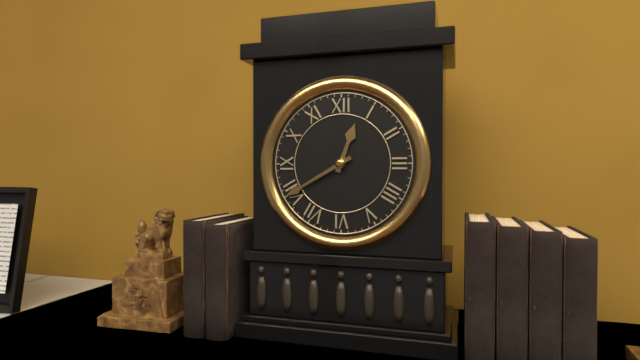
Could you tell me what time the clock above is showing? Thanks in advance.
12:40
